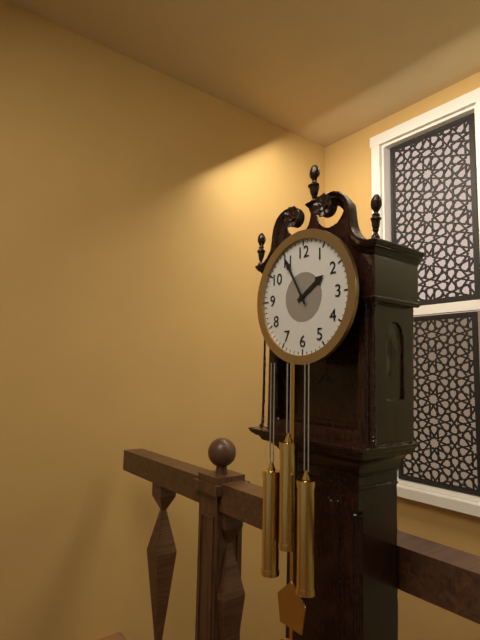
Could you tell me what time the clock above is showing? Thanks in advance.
1:55
